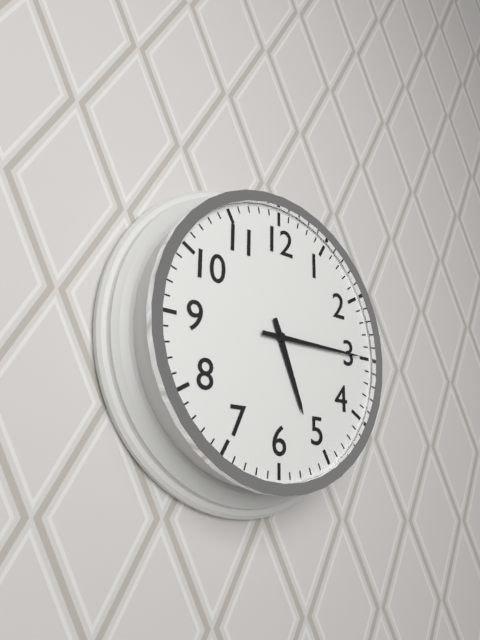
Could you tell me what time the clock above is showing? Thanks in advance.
5:15
